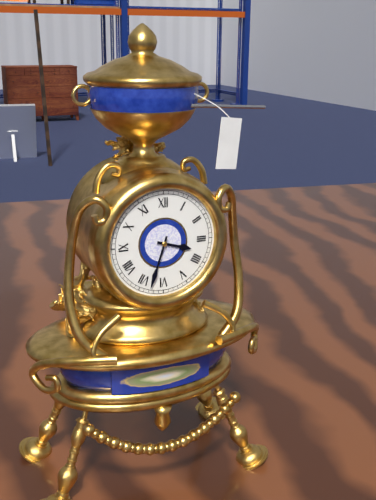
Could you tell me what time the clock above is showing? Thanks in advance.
3:33
